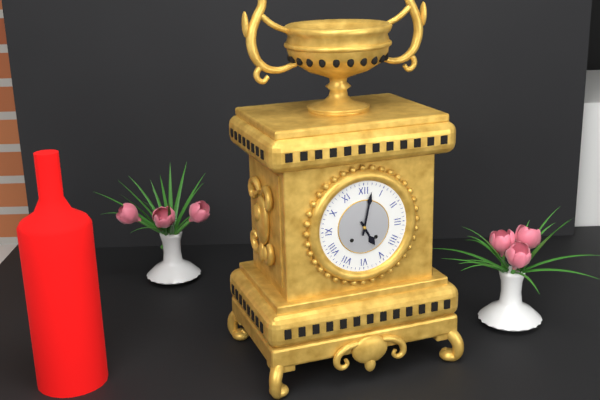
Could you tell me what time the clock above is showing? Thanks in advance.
5:02
